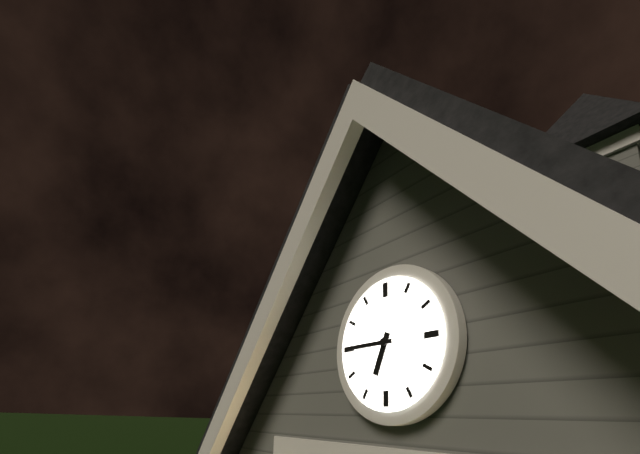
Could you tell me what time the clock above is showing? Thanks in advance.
6:45
